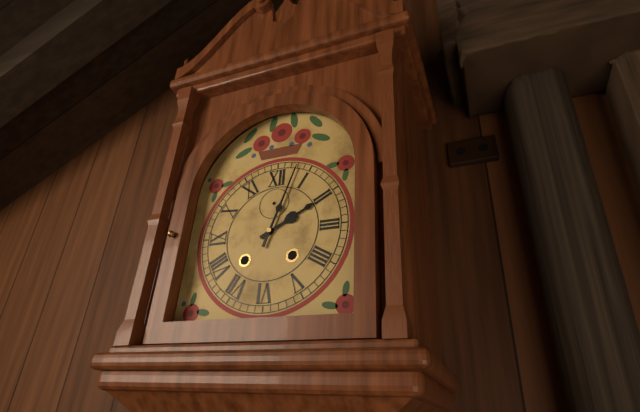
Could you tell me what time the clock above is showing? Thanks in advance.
2:03
